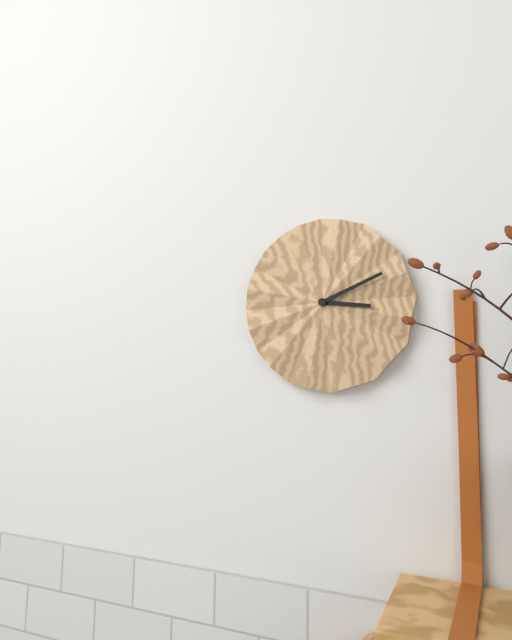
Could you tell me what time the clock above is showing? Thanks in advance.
3:11
